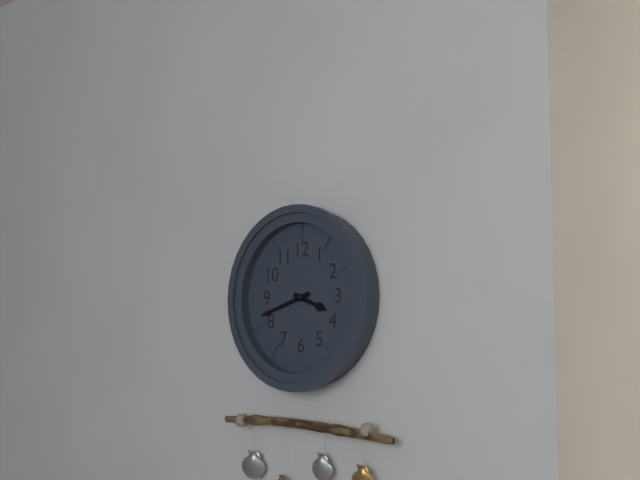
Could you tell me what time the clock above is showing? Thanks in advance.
3:42
